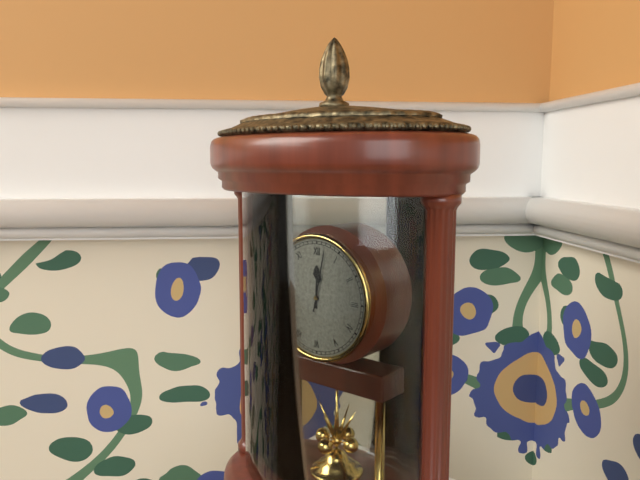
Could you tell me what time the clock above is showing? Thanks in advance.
12:02
